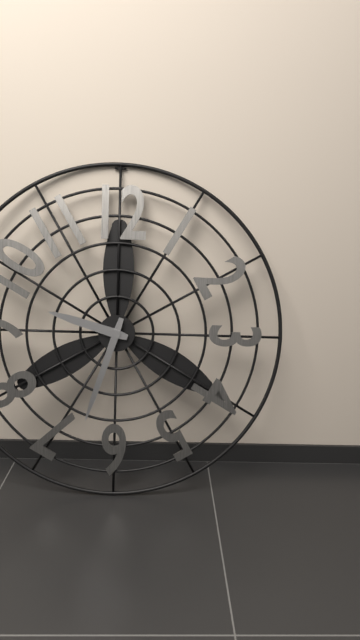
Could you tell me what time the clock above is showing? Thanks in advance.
9:33
